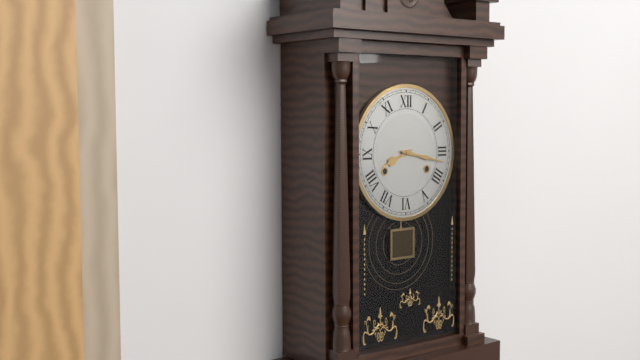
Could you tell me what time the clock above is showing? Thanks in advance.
8:17
